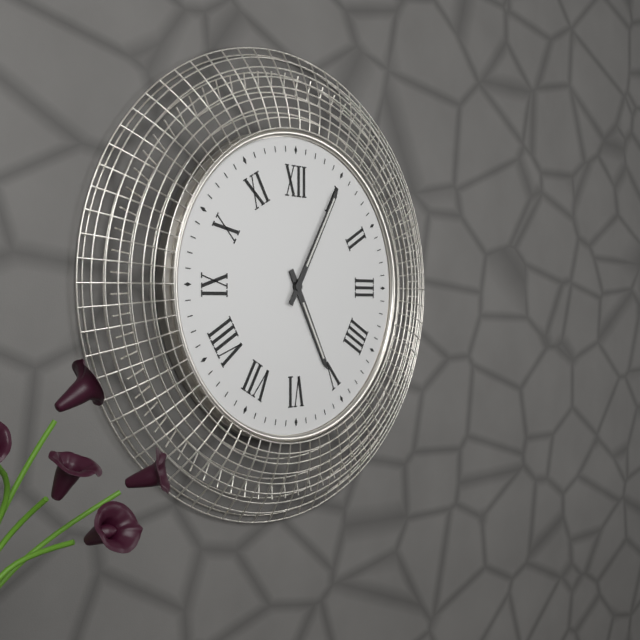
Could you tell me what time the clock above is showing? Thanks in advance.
5:05
